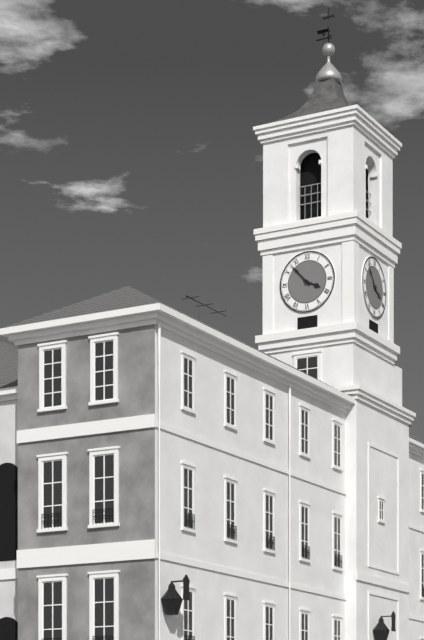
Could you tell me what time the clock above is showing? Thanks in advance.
3:53
